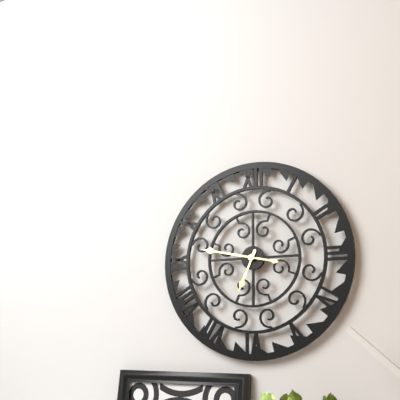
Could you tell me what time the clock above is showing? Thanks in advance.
6:47
